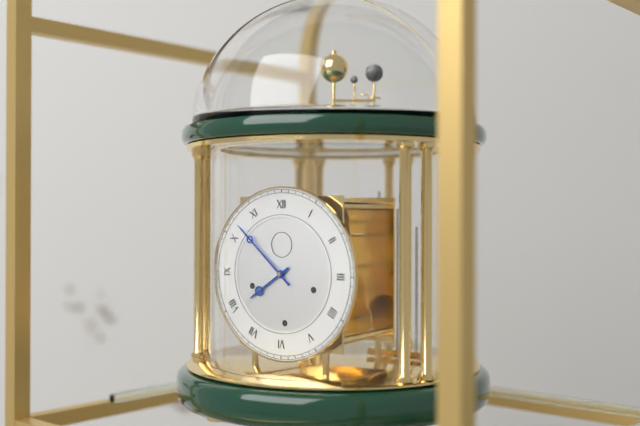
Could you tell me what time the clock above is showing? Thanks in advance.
7:52
